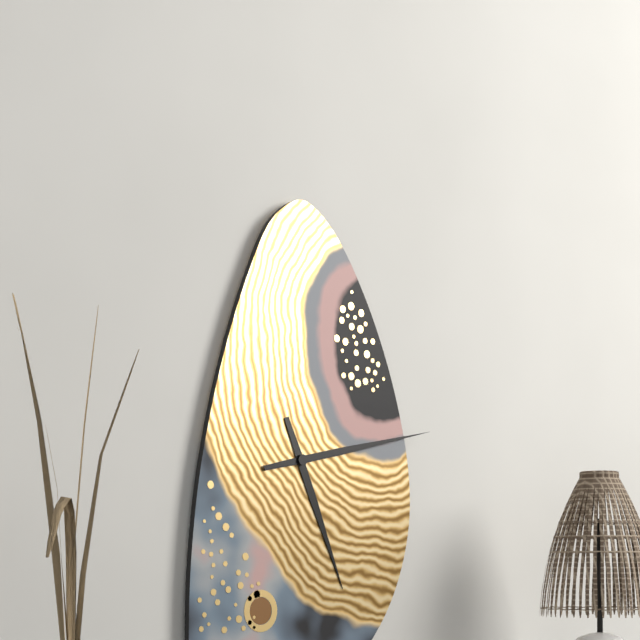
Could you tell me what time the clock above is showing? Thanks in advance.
5:13
